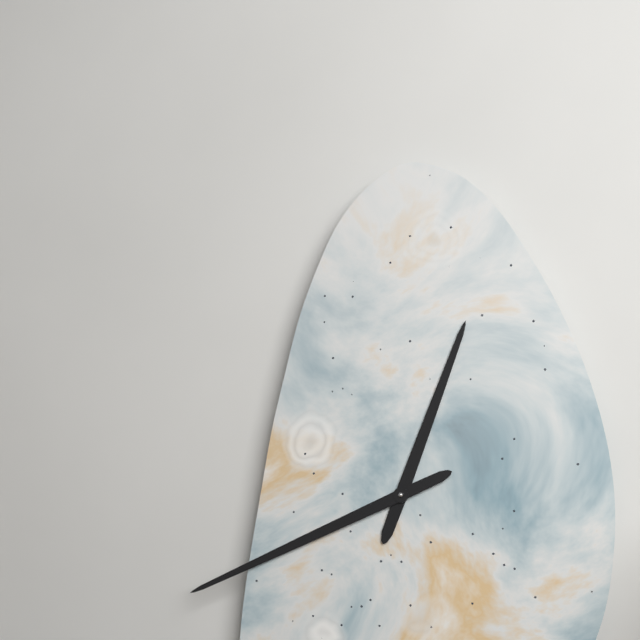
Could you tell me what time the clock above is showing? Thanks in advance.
12:41
